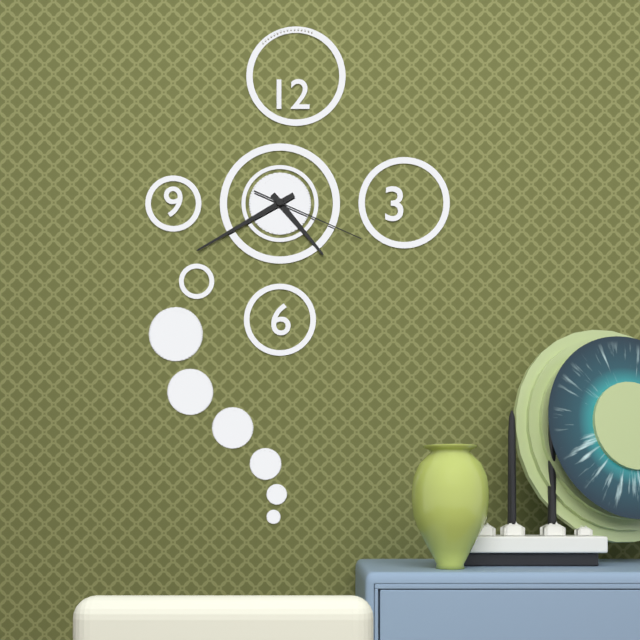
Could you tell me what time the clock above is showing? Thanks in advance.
4:40:19
